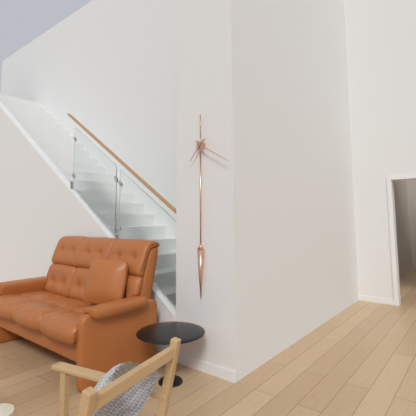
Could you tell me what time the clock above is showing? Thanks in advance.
7:20
